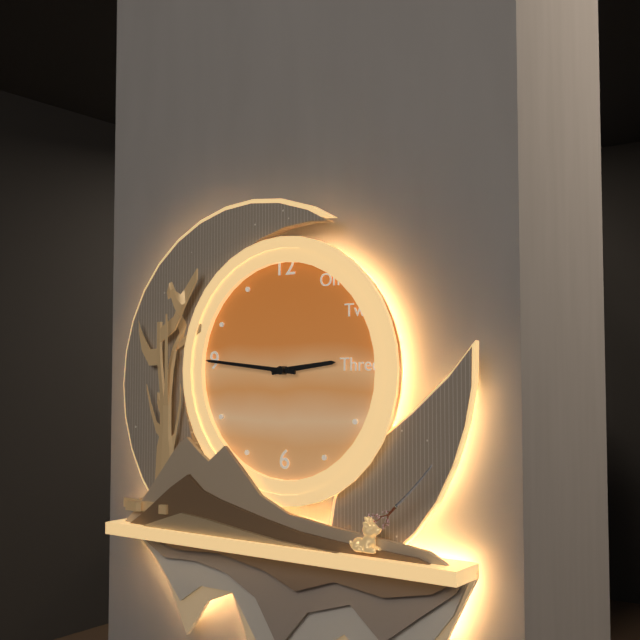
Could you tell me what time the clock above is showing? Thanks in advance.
2:46
